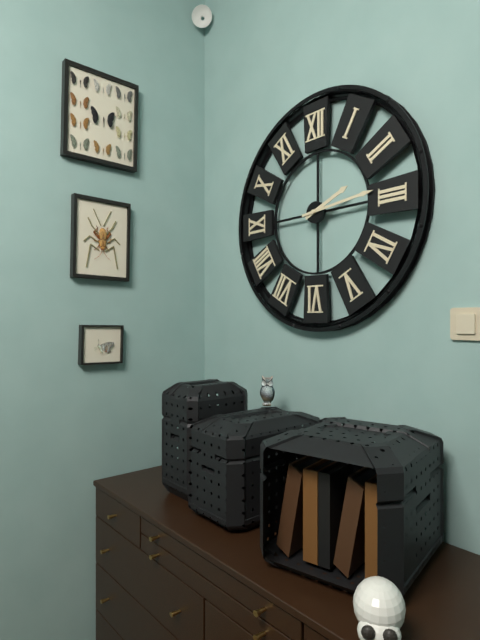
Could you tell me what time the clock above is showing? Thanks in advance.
2:14
